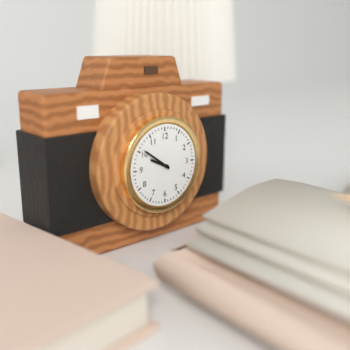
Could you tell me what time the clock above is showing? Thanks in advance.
9:51
